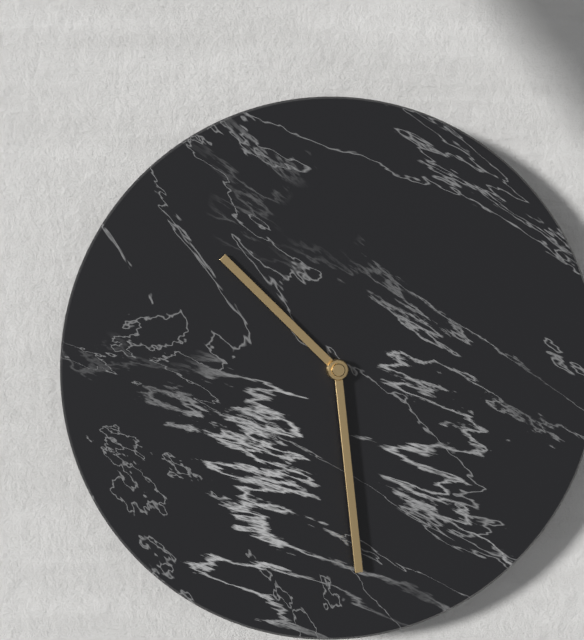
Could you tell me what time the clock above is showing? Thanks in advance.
10:29
